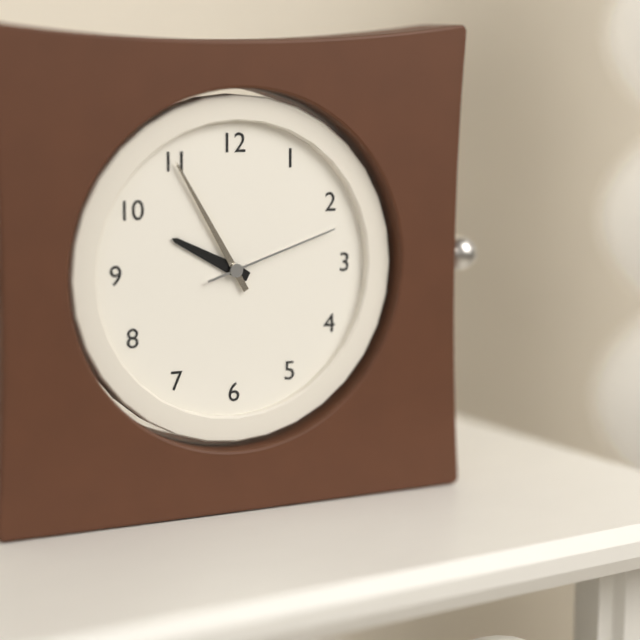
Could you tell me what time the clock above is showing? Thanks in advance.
9:55:12
